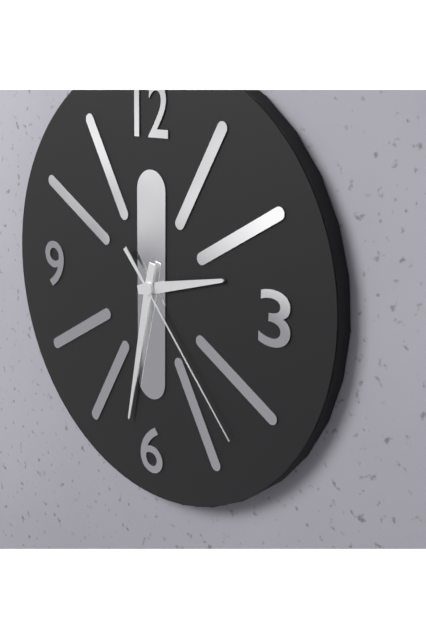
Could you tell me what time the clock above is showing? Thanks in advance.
2:32:23
